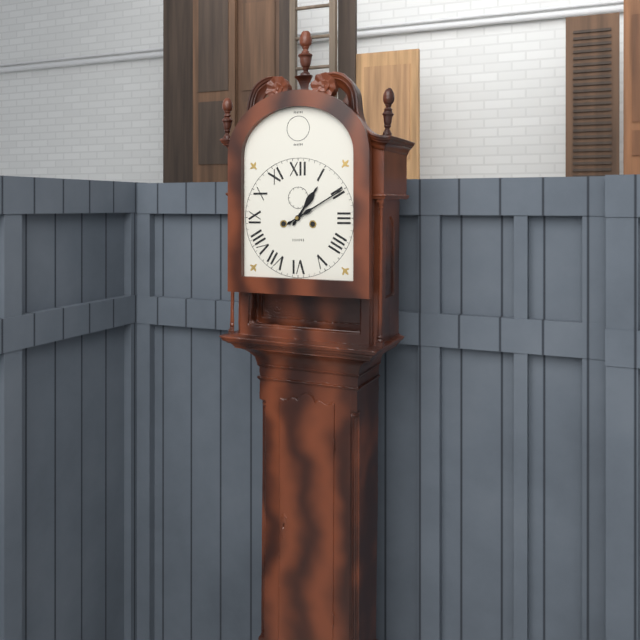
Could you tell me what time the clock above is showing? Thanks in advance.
1:10
